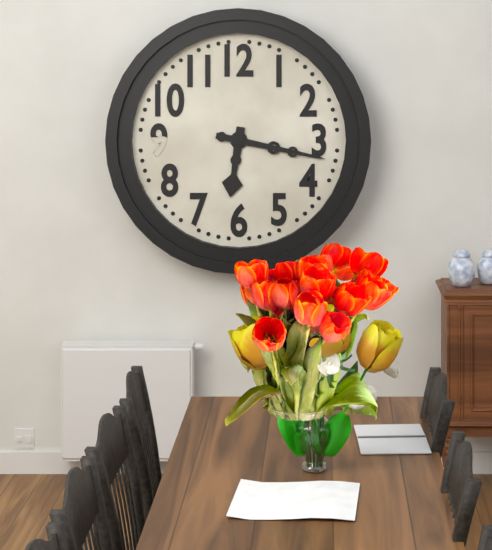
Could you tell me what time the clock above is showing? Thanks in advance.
6:17
